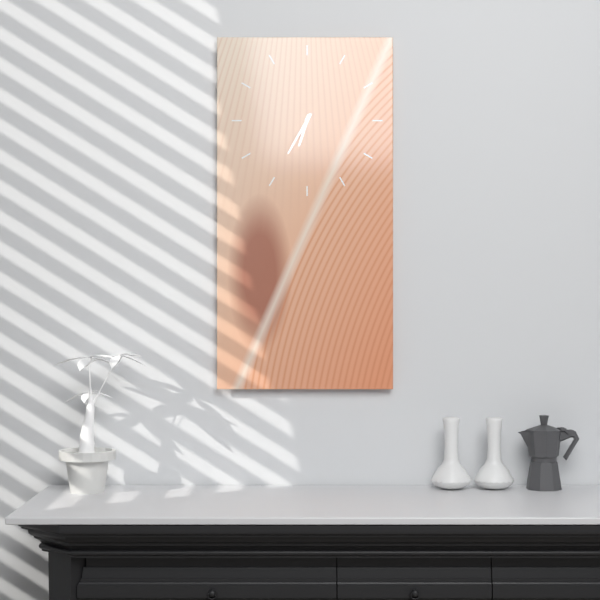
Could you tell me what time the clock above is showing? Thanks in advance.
6:35
